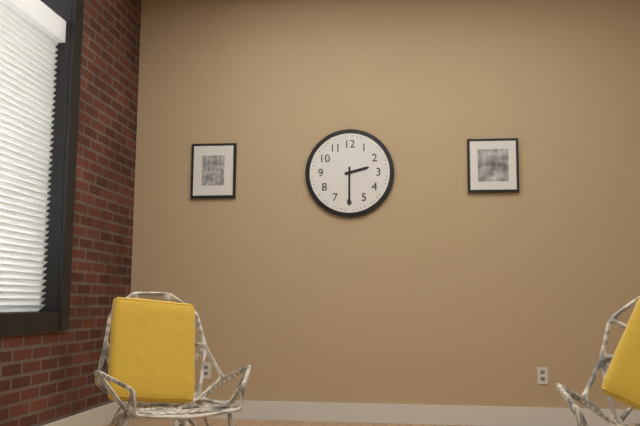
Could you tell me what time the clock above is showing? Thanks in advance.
2:30
